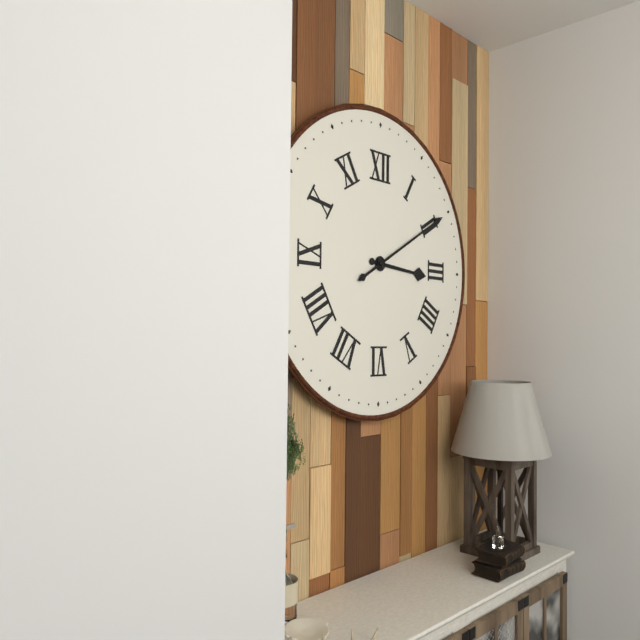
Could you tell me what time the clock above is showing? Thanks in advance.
3:10
